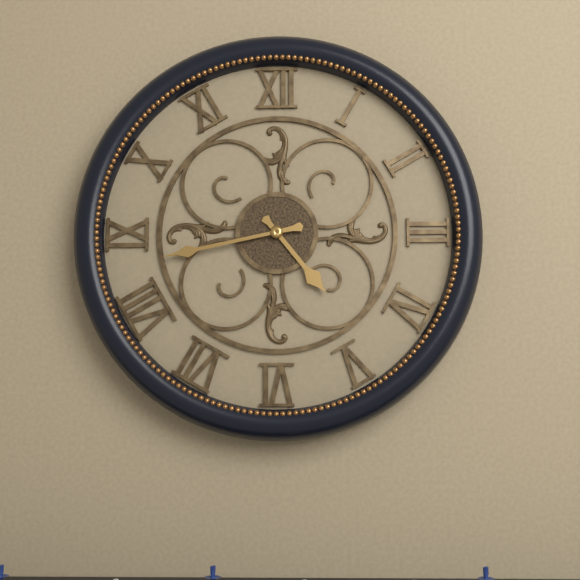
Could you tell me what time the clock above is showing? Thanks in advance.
4:43
